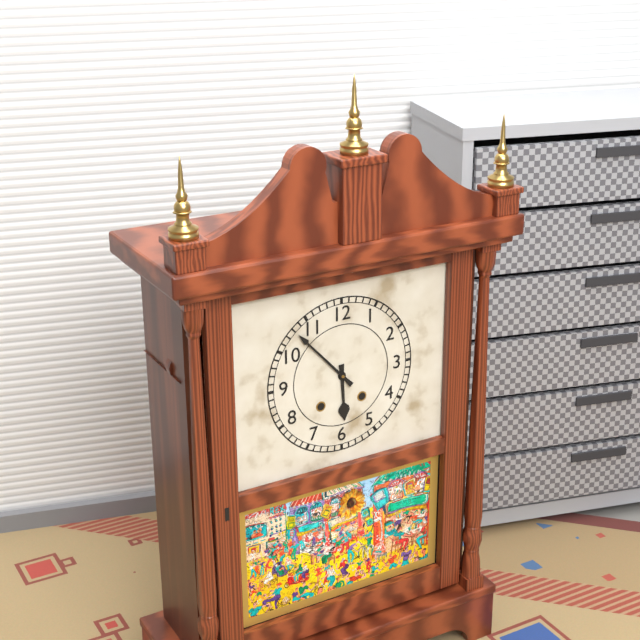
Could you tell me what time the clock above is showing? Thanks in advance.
5:53
